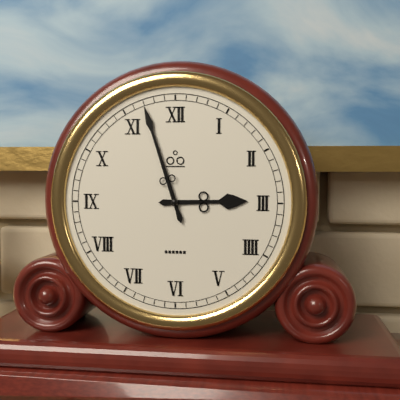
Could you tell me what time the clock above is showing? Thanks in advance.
2:57
